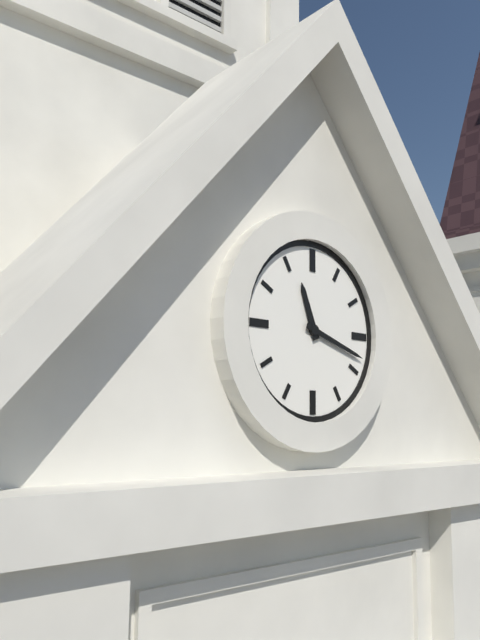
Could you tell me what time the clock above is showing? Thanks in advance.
11:18
